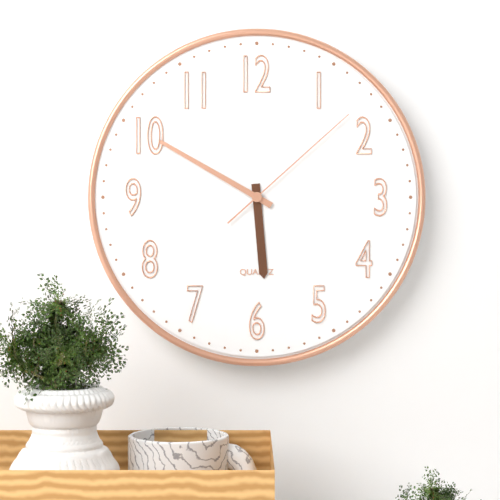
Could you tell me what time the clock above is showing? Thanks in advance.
5:50:08
